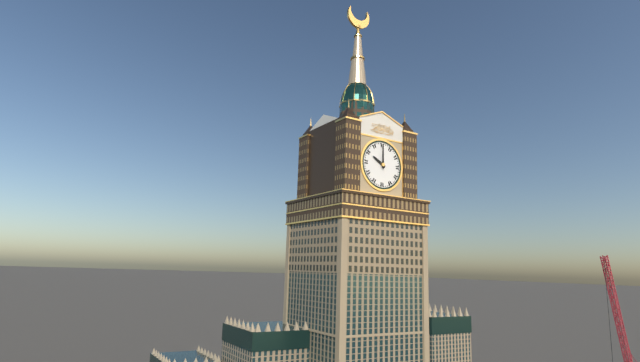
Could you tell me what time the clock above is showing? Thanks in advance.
10:00
